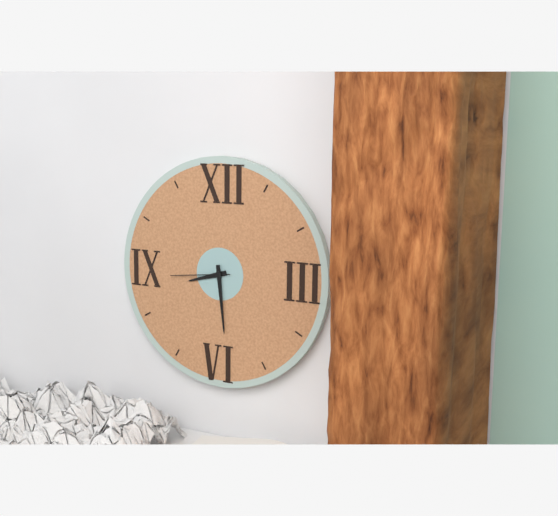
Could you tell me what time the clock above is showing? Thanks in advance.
8:29:44
